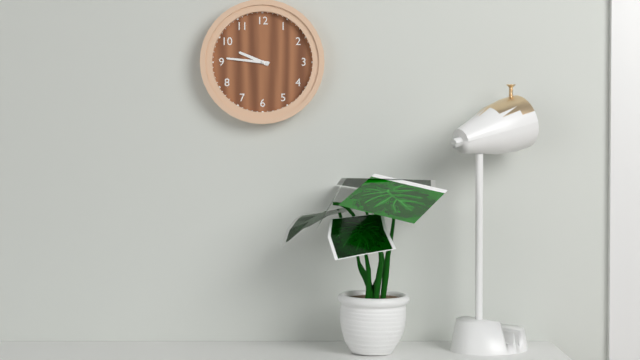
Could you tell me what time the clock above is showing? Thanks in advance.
9:46
